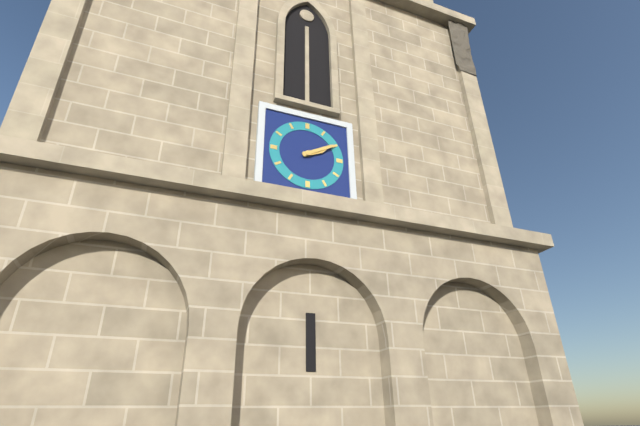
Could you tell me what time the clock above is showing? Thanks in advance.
2:10
